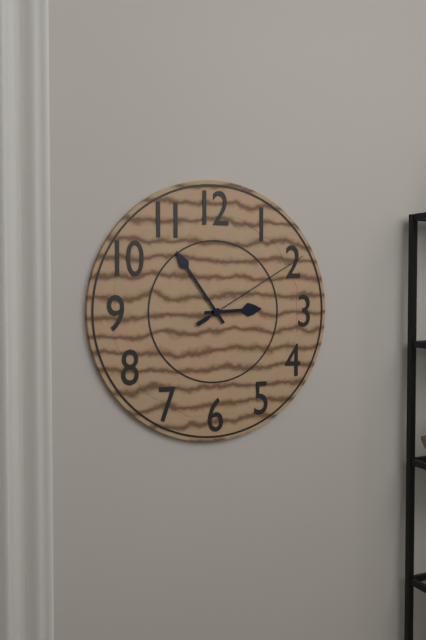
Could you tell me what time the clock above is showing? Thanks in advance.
2:54:10
